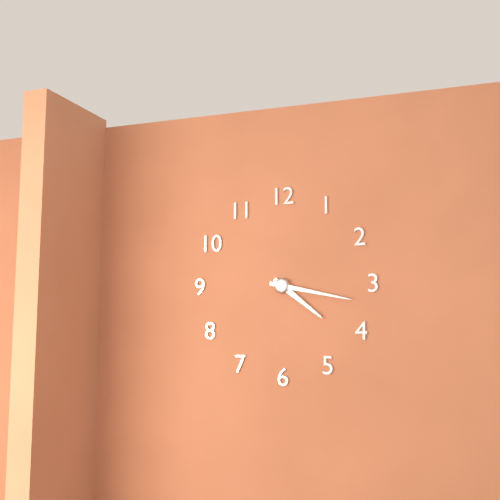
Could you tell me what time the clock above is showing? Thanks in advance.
4:17
